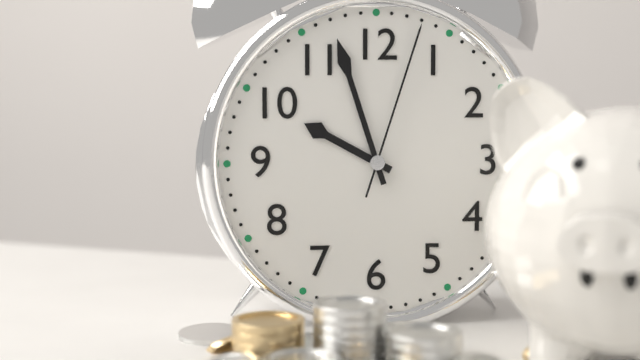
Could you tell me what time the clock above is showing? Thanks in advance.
9:57:03
